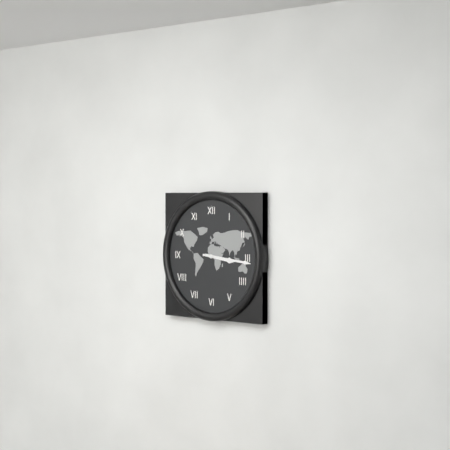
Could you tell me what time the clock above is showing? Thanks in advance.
3:16
